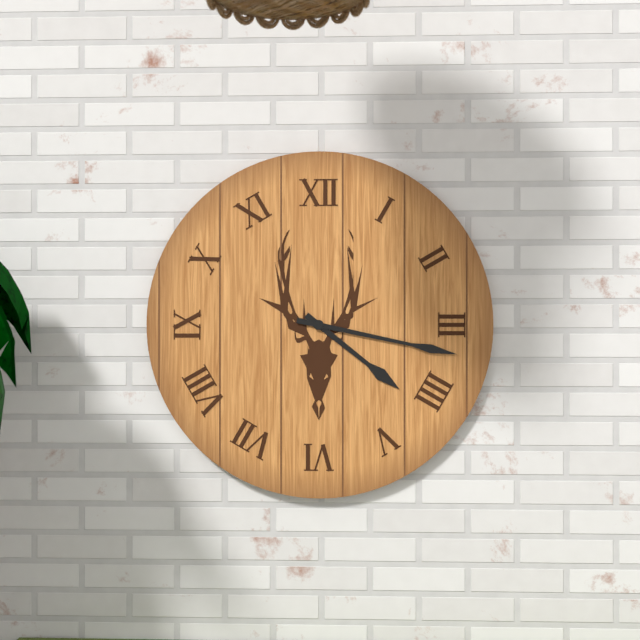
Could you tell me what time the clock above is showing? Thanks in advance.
4:17
